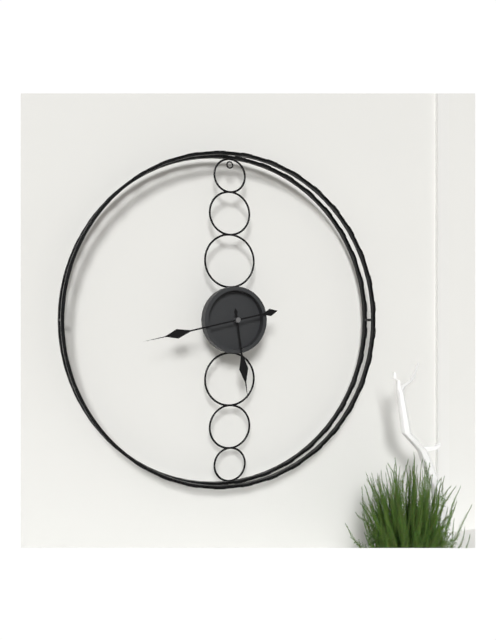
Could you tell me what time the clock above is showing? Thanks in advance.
5:43
